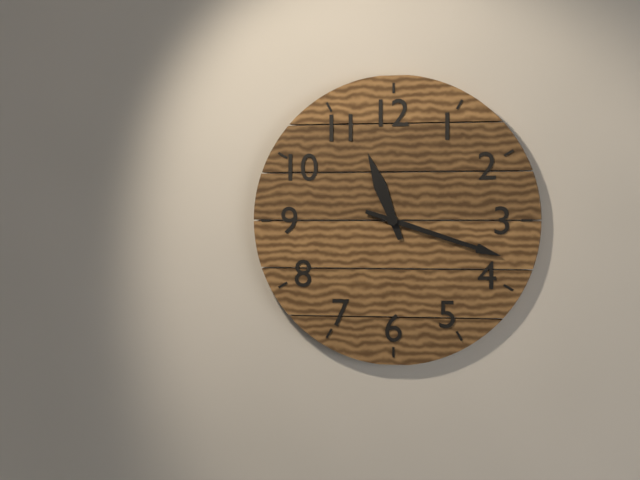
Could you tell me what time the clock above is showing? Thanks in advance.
11:18
